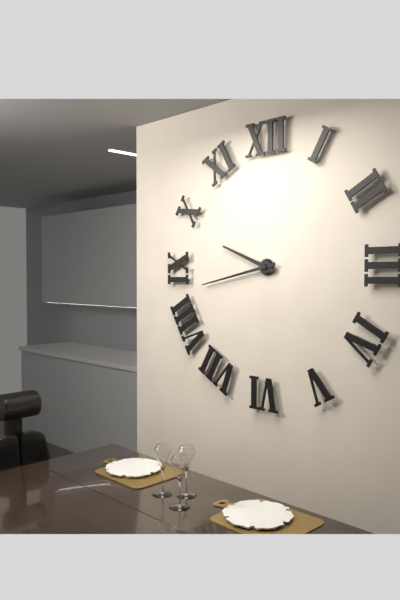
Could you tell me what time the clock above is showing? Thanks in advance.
9:43
